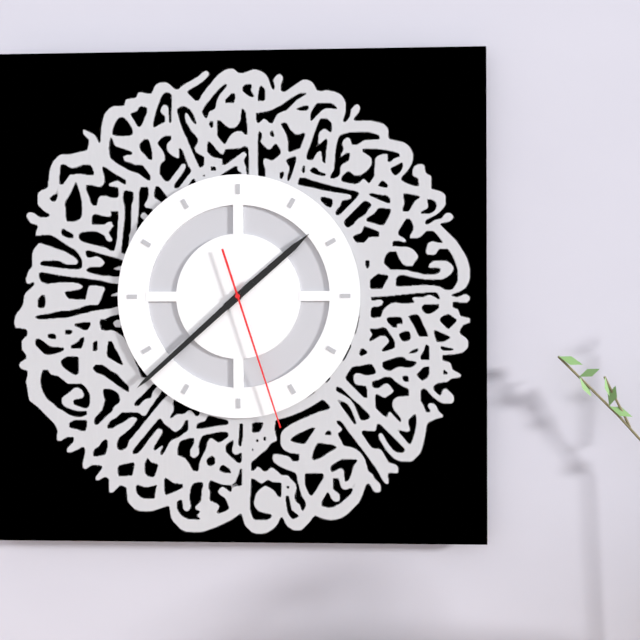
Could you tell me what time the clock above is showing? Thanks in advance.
1:38:27
